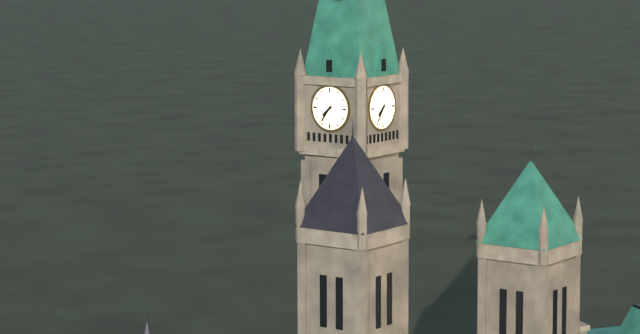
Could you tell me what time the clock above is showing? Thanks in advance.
7:36
